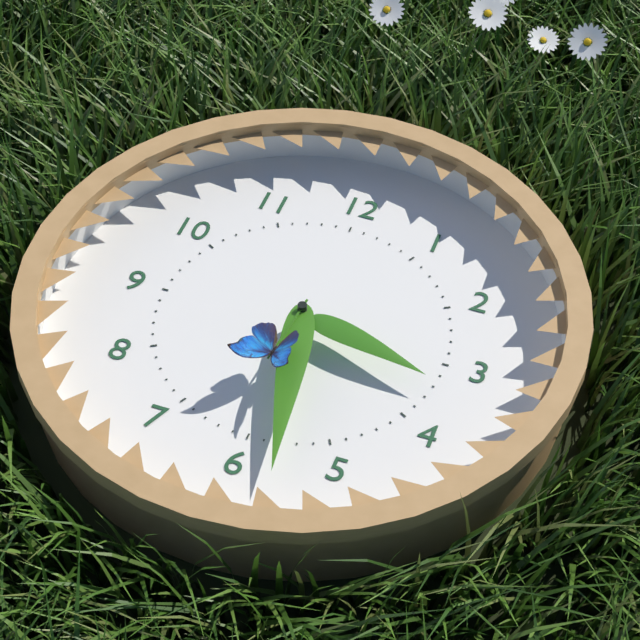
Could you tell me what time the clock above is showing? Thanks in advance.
3:28:31
